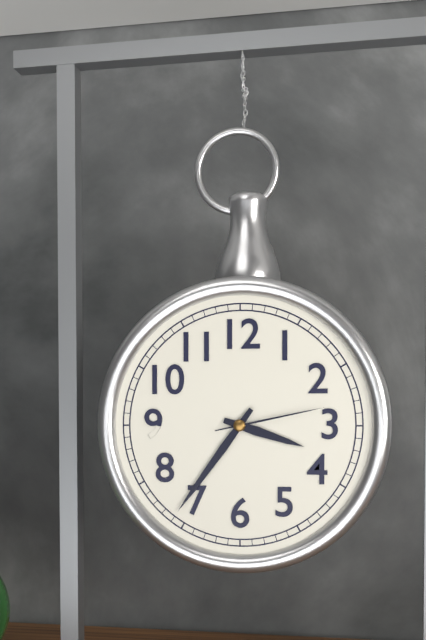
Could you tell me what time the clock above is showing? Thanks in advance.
3:36:13
